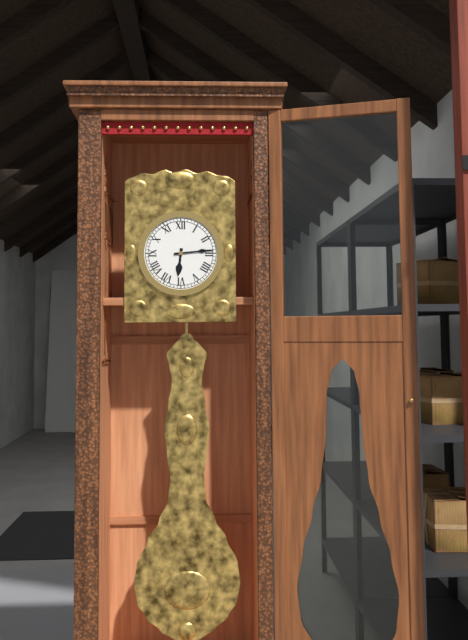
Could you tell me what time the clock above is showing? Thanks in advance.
6:14
